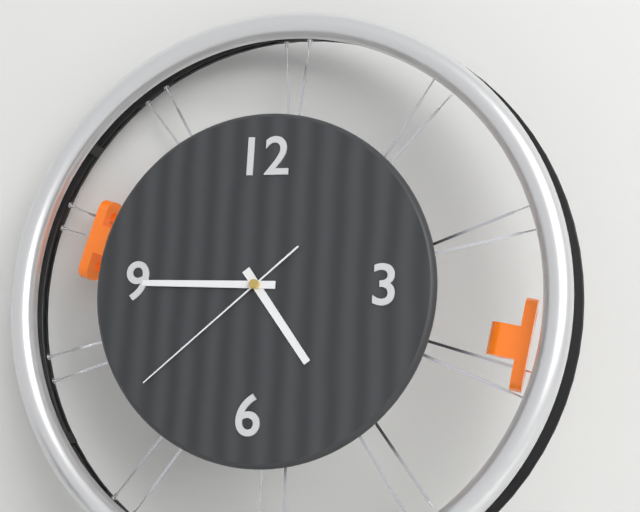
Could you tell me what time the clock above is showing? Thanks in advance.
4:45:38
